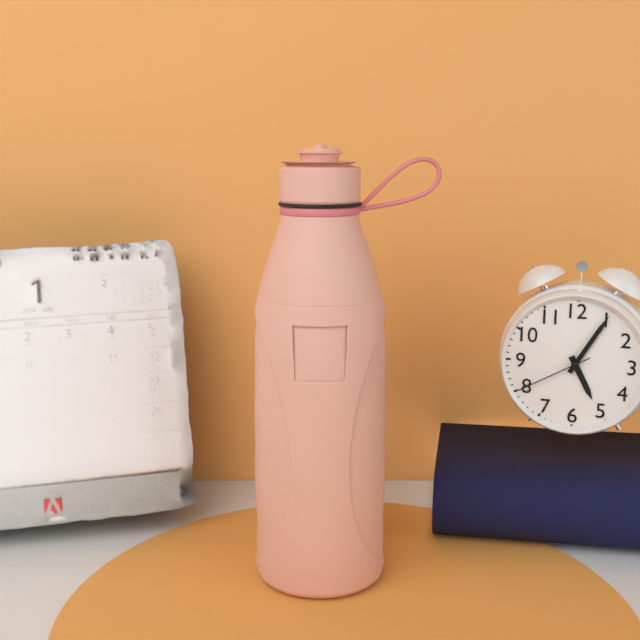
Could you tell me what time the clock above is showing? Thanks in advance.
5:05:40
